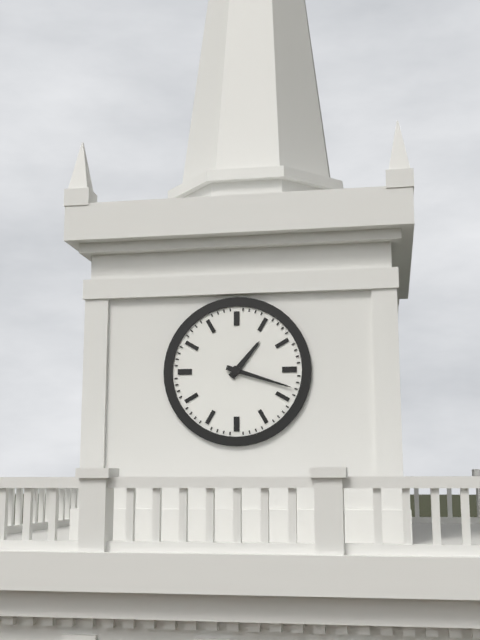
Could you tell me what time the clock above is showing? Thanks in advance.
1:18
